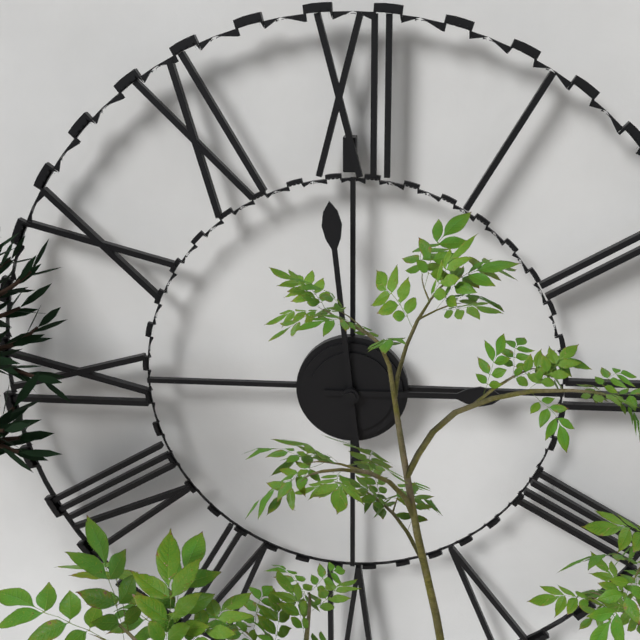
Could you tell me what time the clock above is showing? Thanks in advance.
2:59
